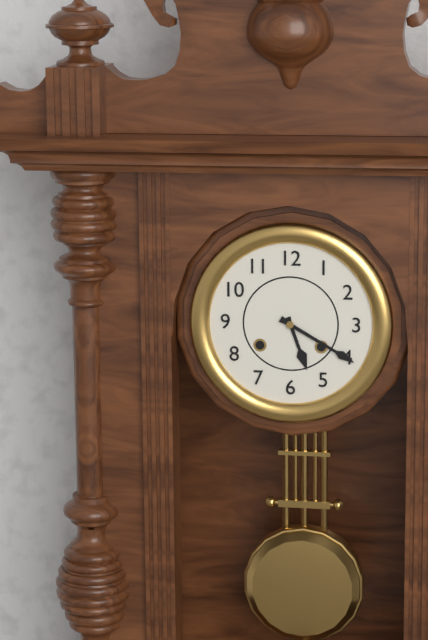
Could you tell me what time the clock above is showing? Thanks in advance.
5:20
